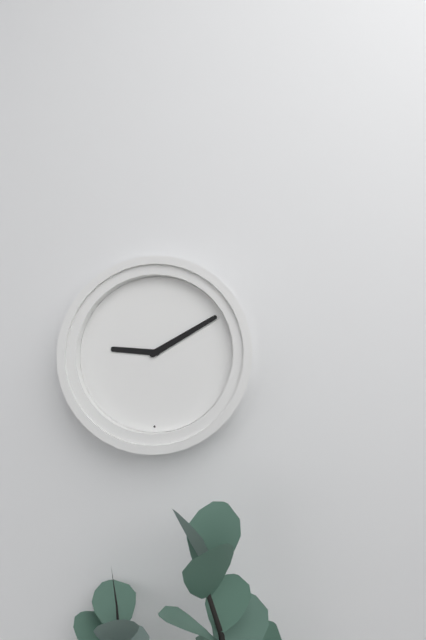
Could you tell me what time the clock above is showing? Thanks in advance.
9:10
